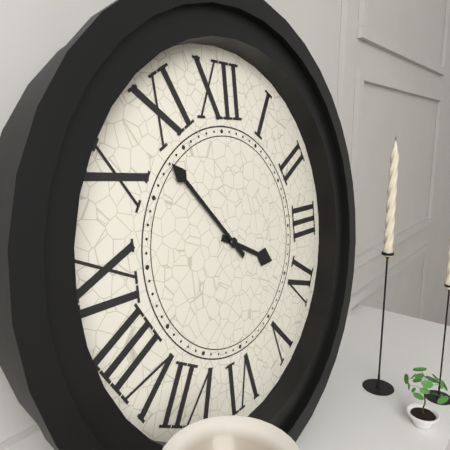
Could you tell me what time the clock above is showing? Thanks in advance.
3:53
